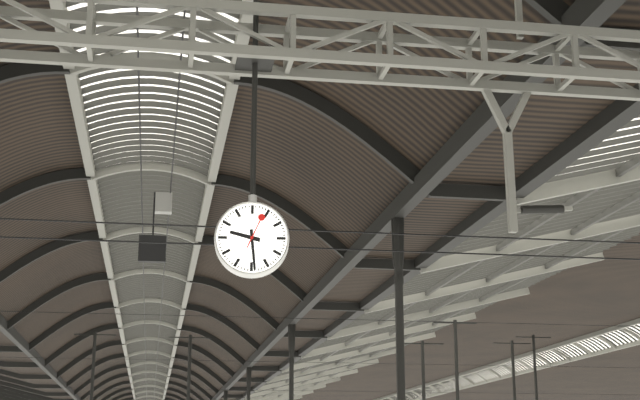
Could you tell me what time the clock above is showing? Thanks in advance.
9:29
